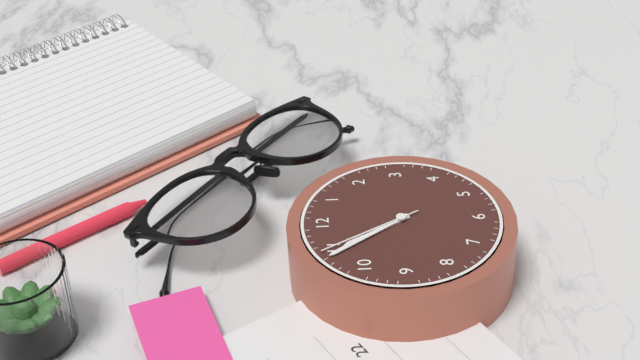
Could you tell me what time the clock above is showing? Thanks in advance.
10:54:55
